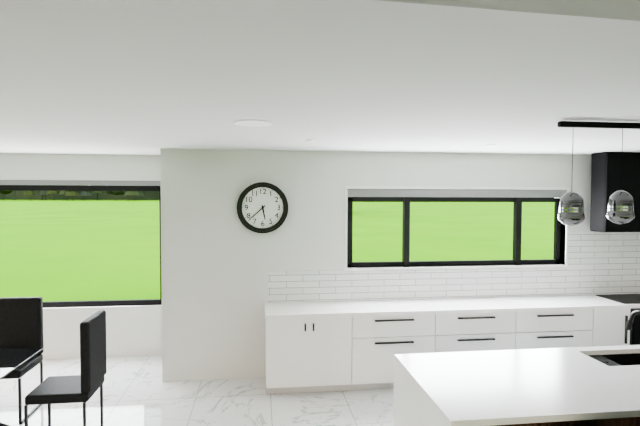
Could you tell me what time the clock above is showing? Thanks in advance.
5:38
